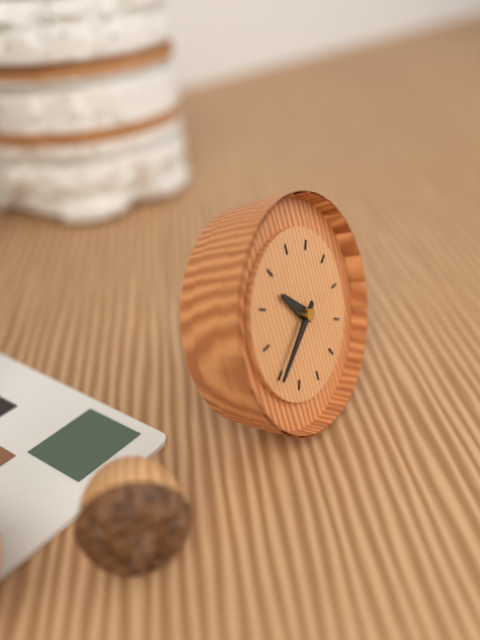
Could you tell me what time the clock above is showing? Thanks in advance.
10:40
